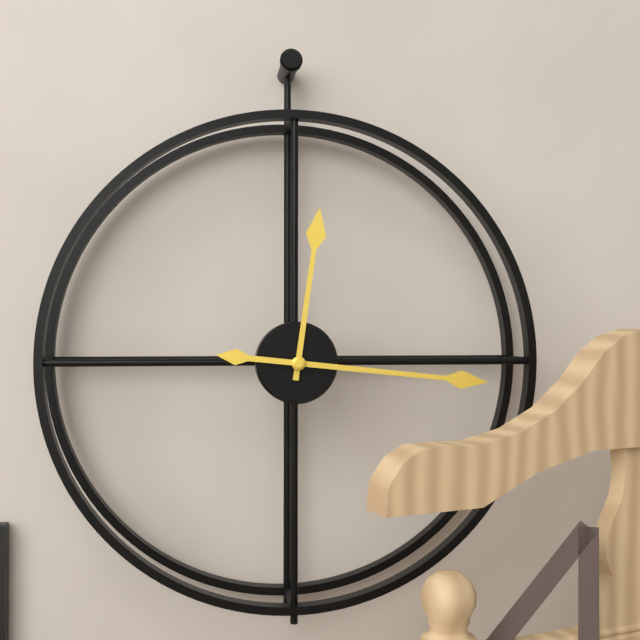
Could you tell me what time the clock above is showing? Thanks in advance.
12:16
